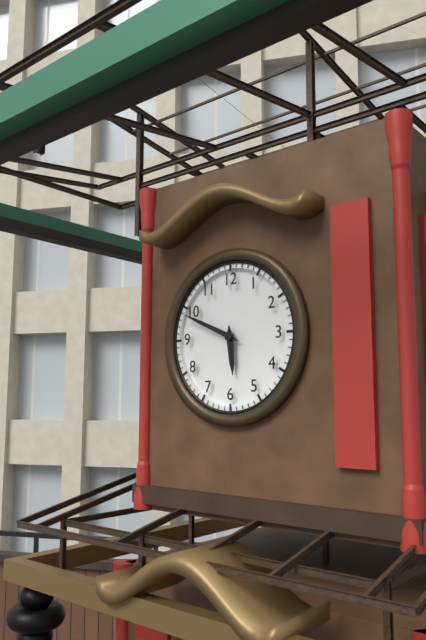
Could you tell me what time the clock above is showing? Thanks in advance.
5:49
